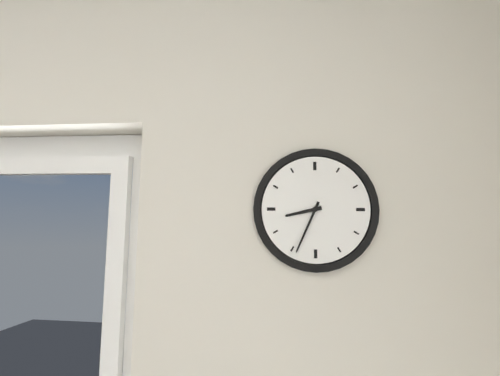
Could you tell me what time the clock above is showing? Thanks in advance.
8:34
